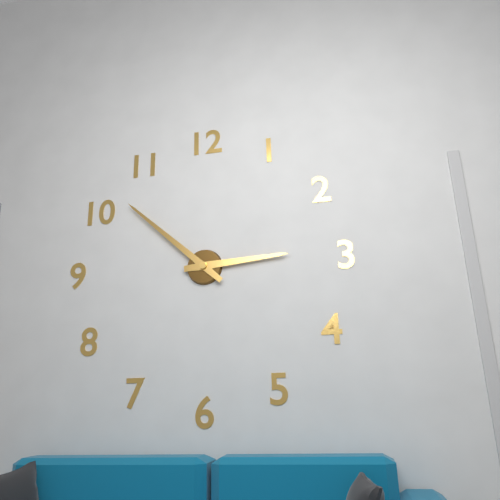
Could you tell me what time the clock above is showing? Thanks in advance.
2:52
